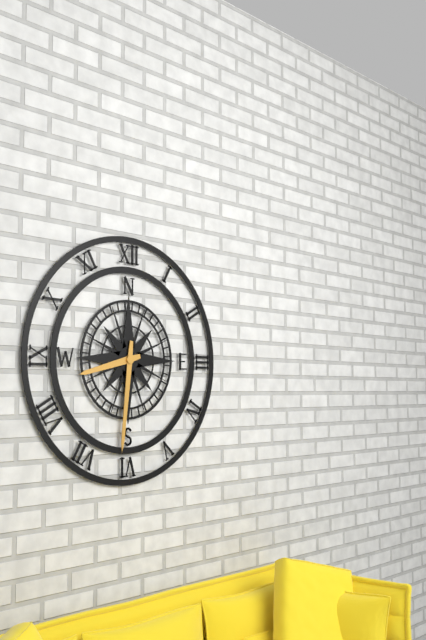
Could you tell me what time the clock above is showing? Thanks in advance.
8:31
